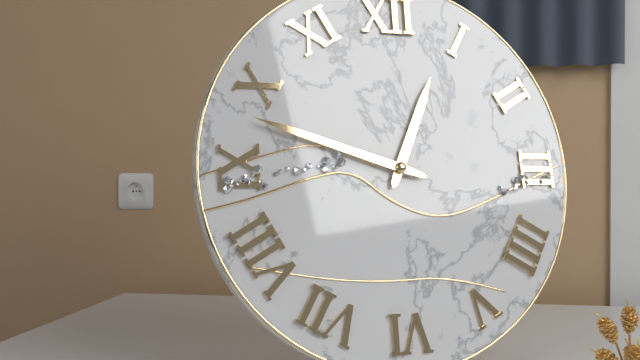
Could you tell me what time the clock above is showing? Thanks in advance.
12:48
